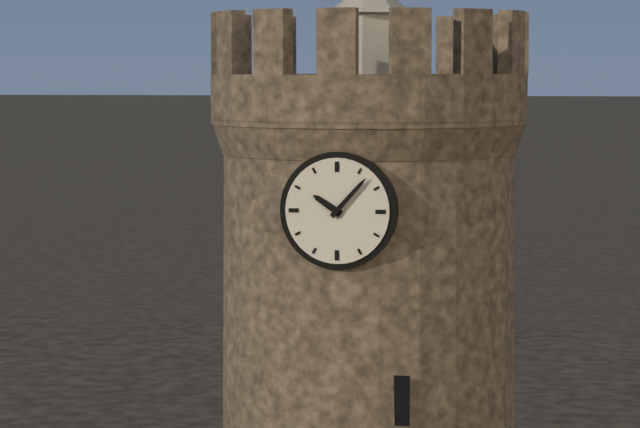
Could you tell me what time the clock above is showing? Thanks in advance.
10:07
